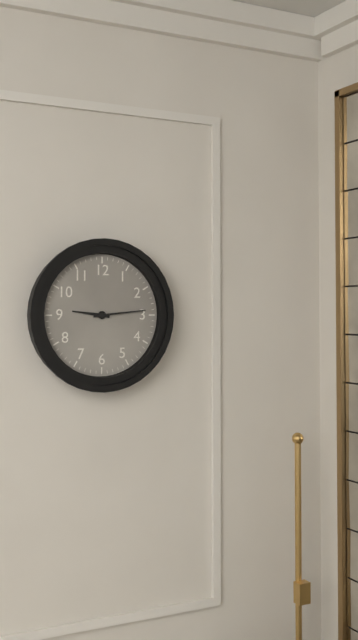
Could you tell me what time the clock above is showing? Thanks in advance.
9:14
